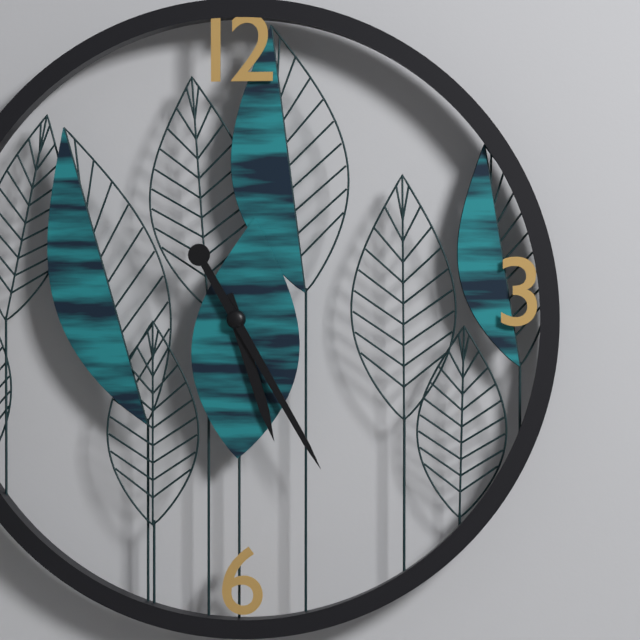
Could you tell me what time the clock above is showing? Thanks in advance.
5:25
